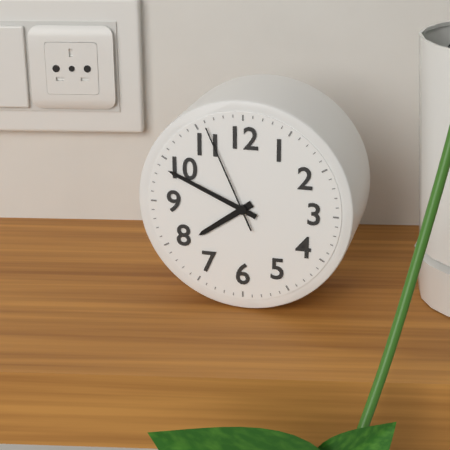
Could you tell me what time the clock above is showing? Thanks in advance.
7:49:56
